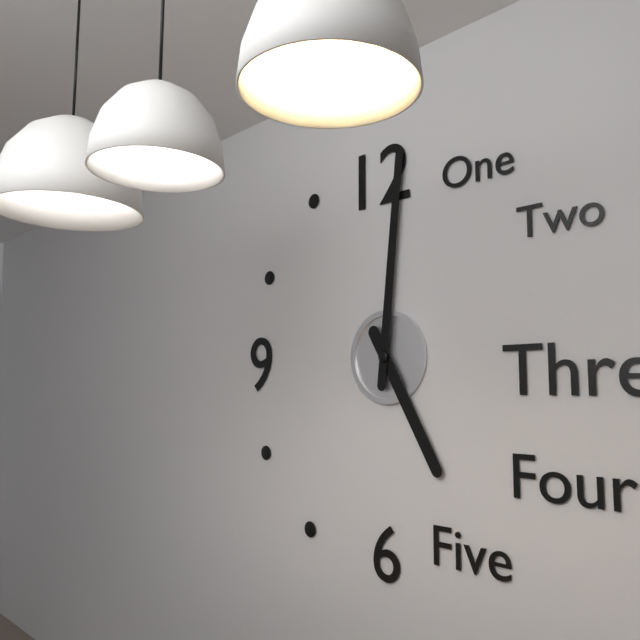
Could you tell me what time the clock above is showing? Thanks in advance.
5:01
